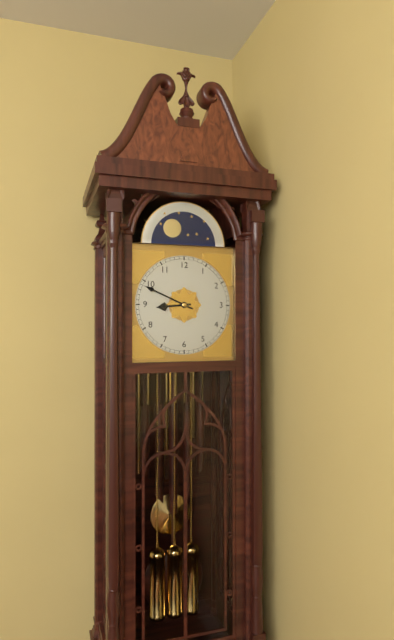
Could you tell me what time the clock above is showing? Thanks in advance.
8:49
